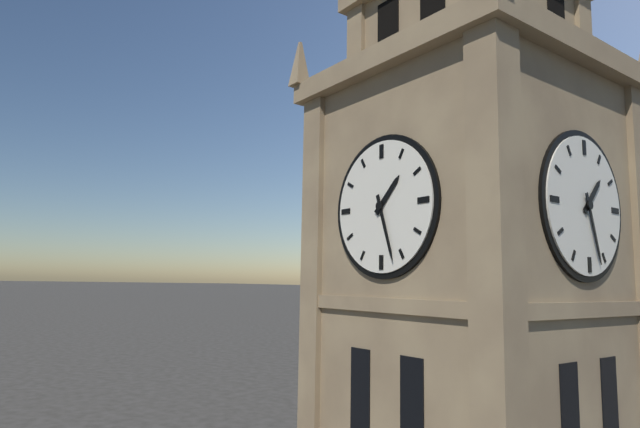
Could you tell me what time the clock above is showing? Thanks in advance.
1:27
